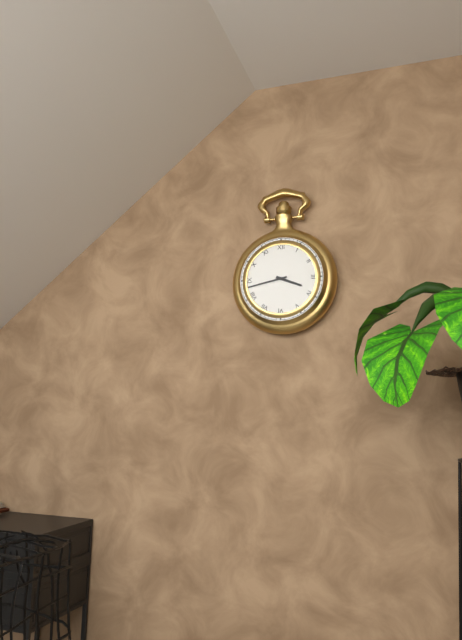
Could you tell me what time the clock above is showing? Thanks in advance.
3:43
